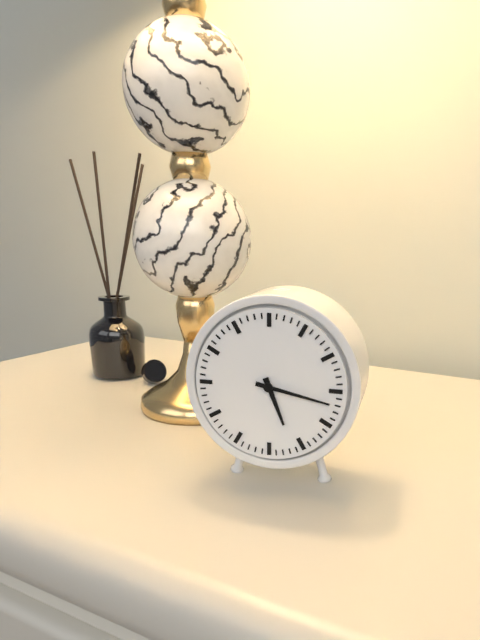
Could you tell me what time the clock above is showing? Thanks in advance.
5:17
